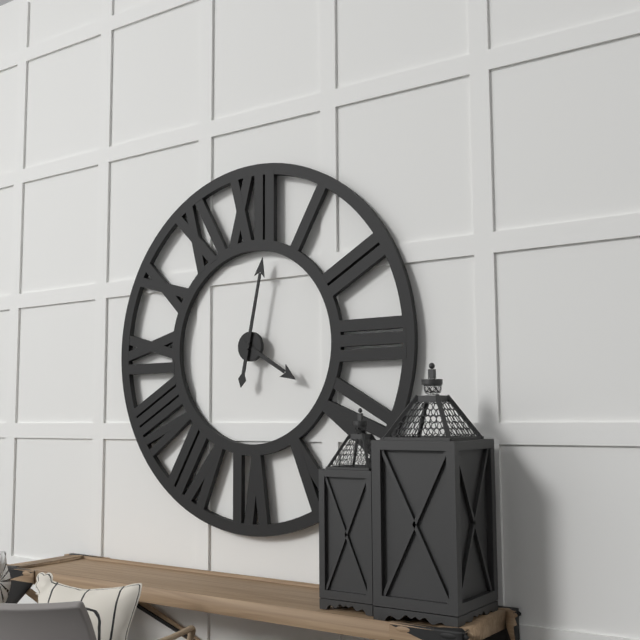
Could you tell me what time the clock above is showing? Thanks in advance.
4:02
